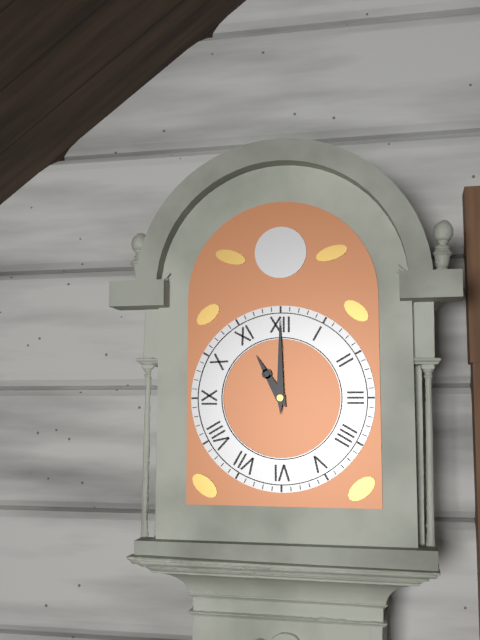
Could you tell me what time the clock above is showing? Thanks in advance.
11:00
